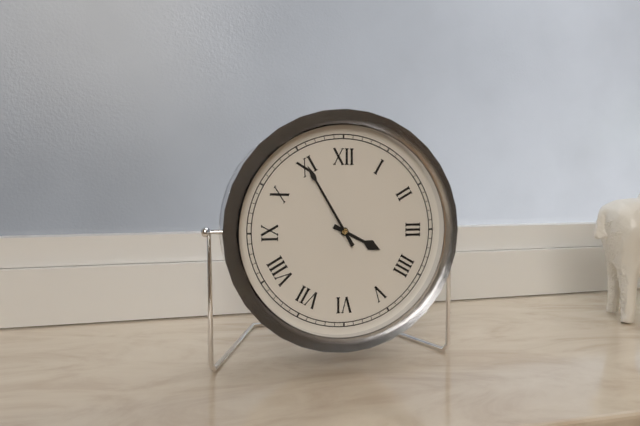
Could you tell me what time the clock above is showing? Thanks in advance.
3:55
